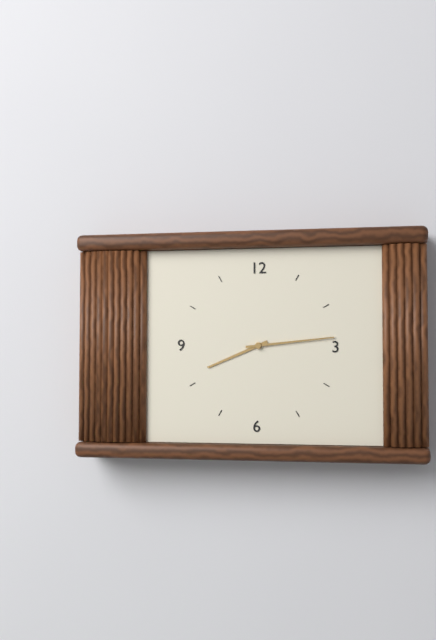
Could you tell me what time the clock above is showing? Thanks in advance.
8:14
